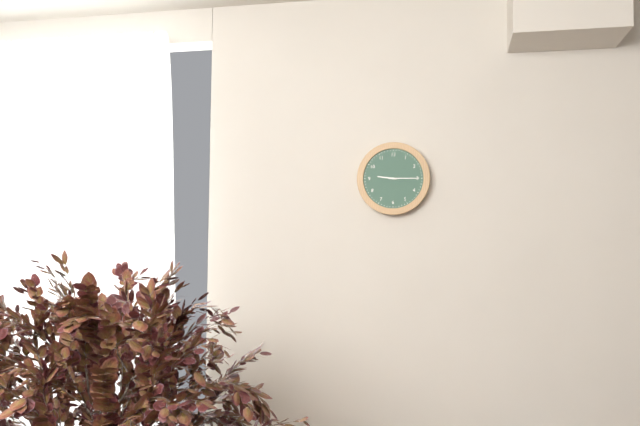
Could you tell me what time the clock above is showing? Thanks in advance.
9:15
